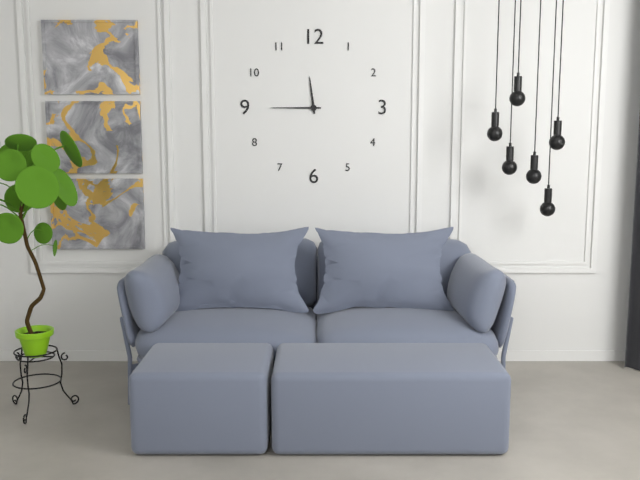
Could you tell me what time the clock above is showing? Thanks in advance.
11:45
